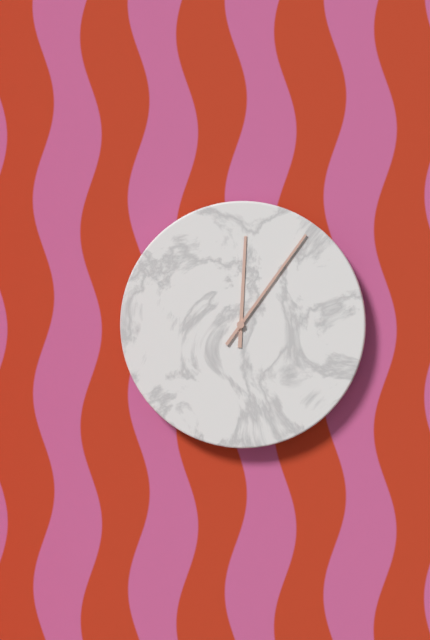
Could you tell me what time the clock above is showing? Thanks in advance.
12:06
